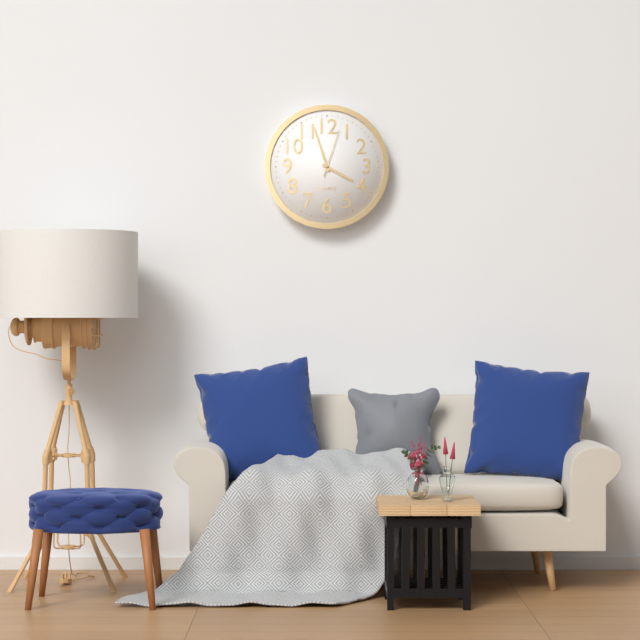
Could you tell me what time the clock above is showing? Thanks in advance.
3:57
